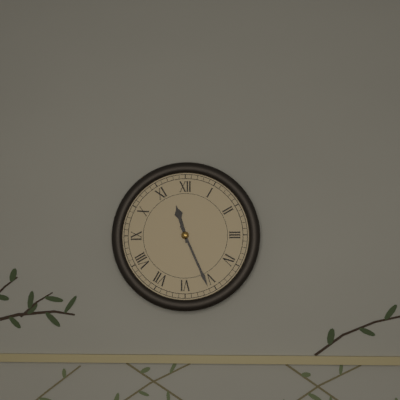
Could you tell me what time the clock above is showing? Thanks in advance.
11:26
